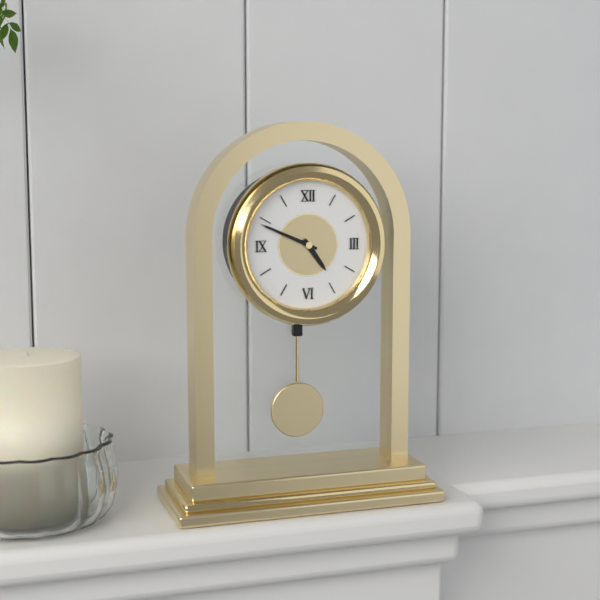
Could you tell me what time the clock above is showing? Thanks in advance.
4:49
